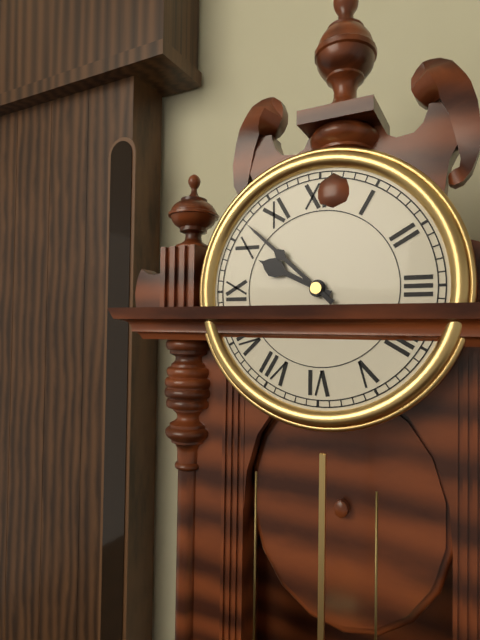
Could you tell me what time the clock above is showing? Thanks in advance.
9:52
